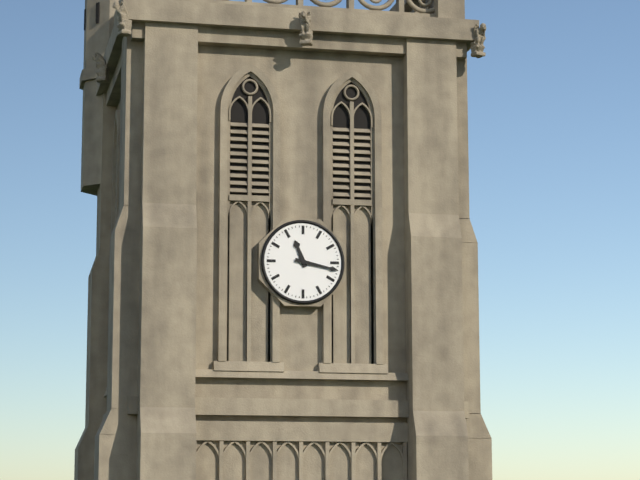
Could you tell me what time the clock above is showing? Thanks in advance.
11:17
